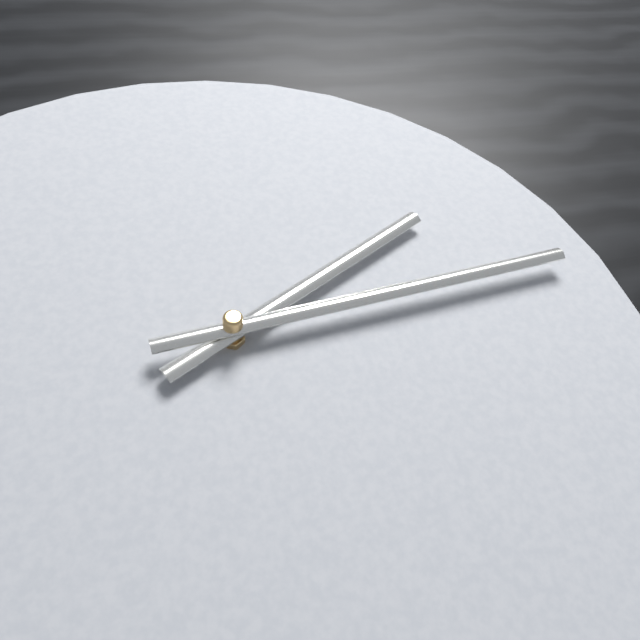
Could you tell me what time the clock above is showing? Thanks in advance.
2:15
